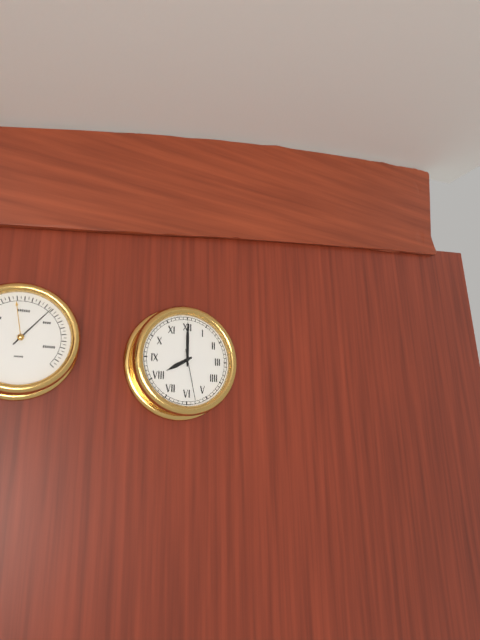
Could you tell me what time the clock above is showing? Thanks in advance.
8:00:28
